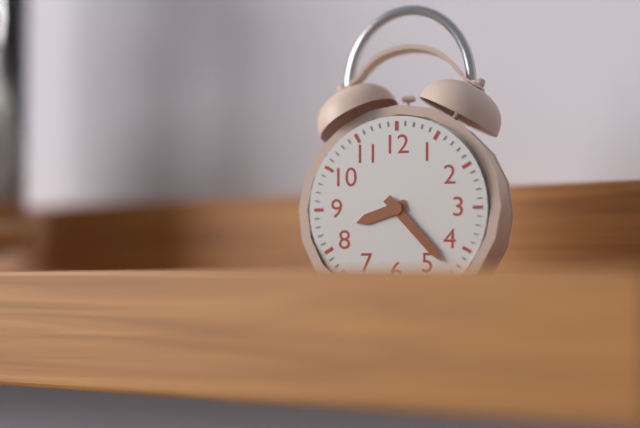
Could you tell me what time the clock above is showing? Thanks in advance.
8:23
